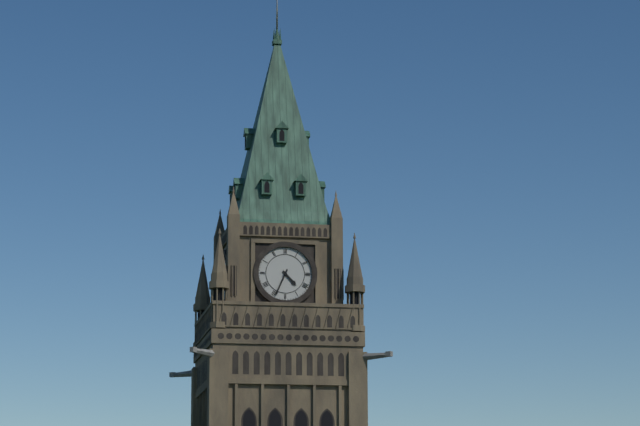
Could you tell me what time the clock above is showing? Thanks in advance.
4:34
